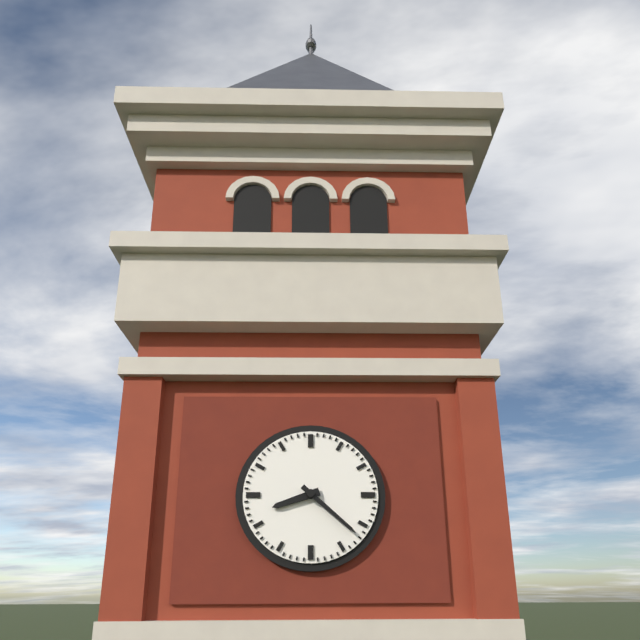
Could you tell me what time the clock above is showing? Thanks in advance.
8:22
